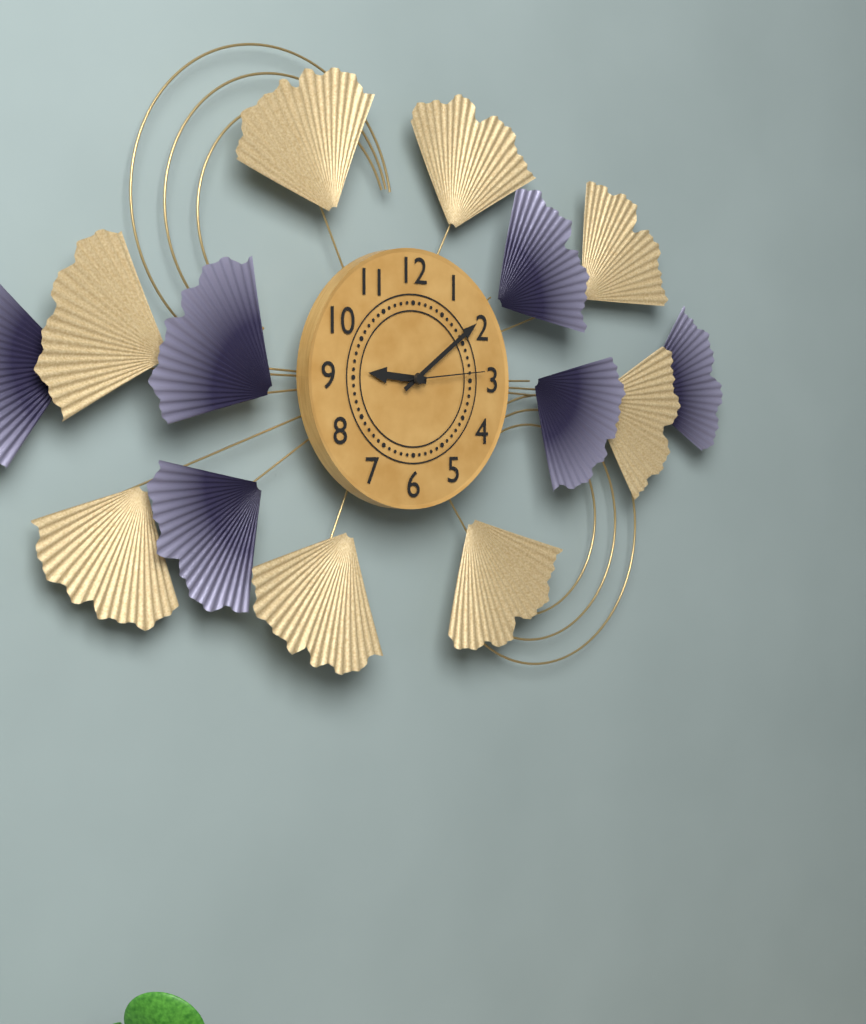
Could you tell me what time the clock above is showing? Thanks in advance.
9:09:14
